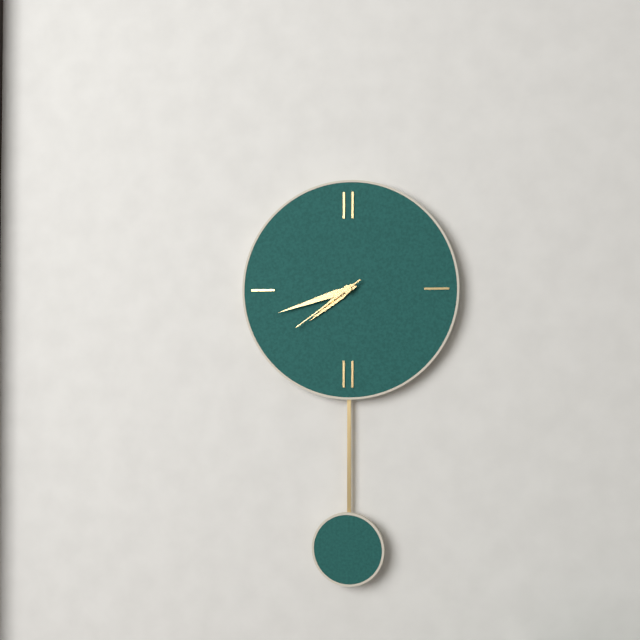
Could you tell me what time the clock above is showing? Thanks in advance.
7:42:39
